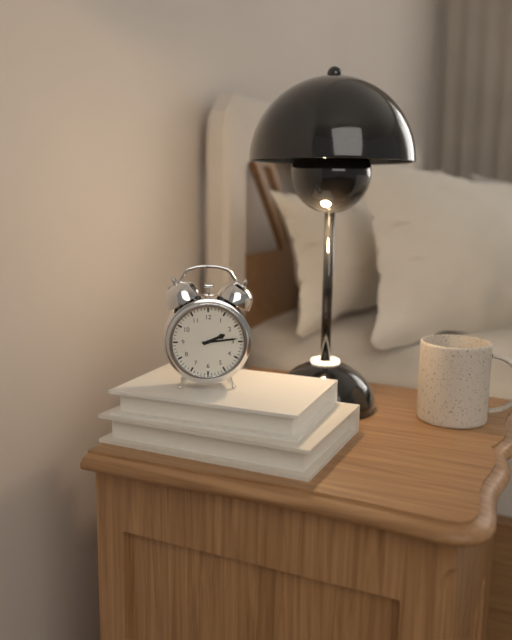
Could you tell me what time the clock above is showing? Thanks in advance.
2:14
